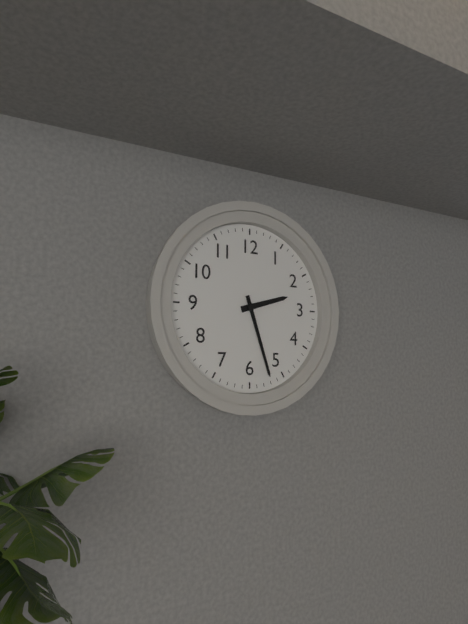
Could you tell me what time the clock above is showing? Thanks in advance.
2:27
